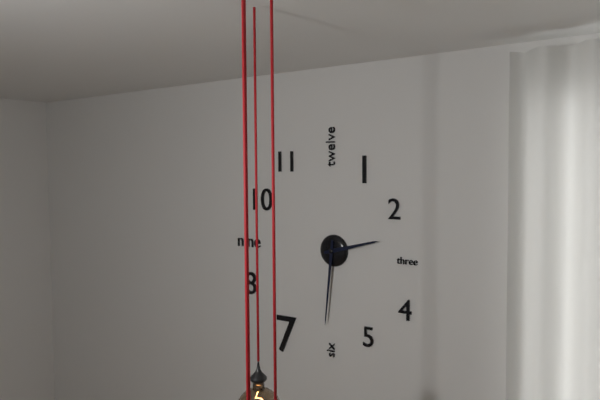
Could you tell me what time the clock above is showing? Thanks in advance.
2:31
